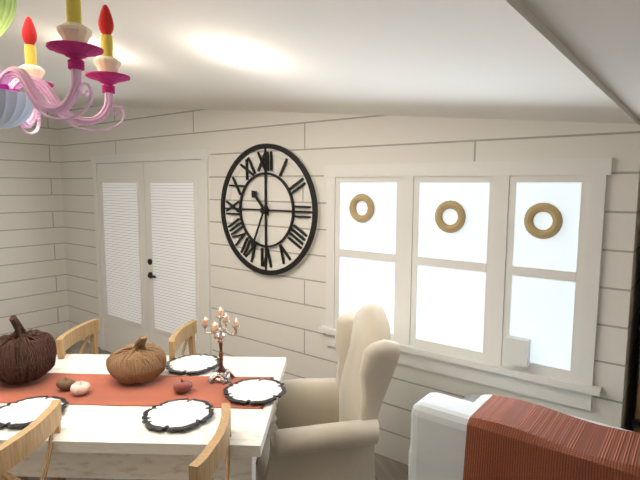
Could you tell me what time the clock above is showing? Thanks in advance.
10:34
